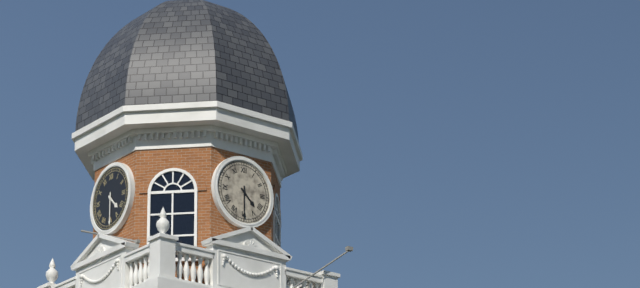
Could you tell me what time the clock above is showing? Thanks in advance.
4:30
